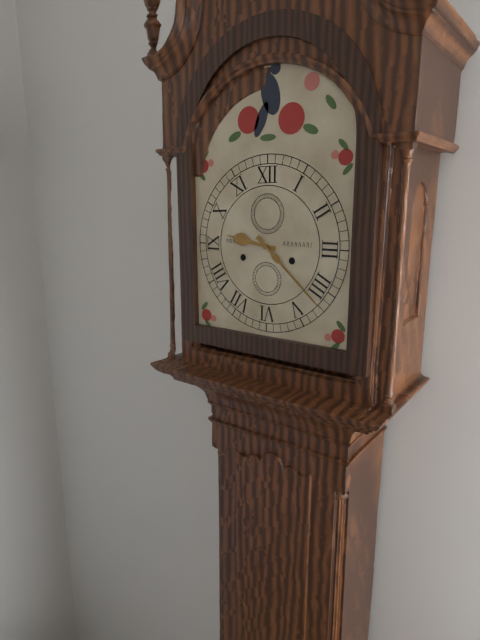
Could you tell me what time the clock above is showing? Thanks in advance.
9:22
